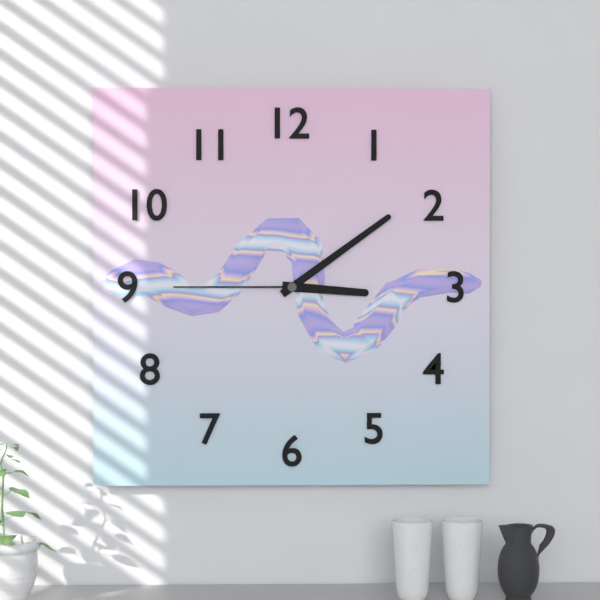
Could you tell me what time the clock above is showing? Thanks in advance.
3:09:45
